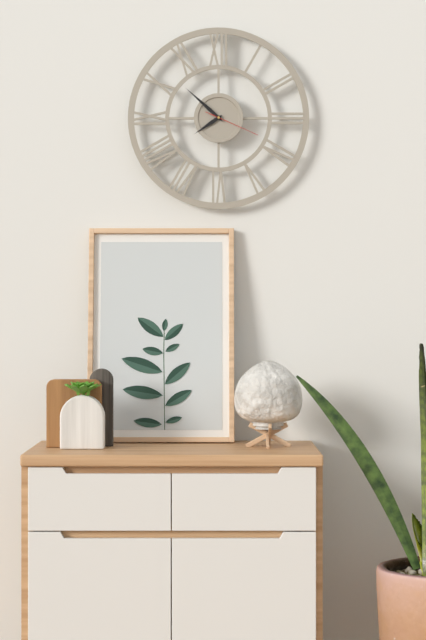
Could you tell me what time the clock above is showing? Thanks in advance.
7:52:19
